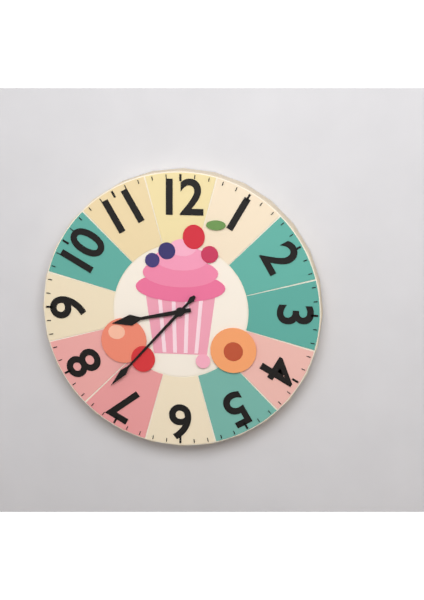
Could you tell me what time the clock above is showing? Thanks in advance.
8:37
